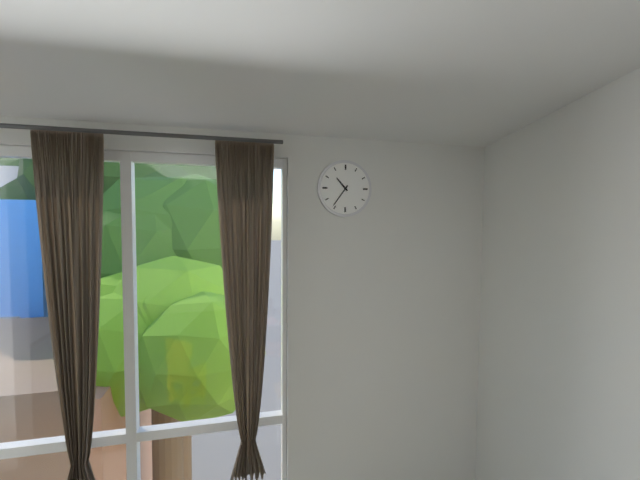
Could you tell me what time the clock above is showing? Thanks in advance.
10:36
